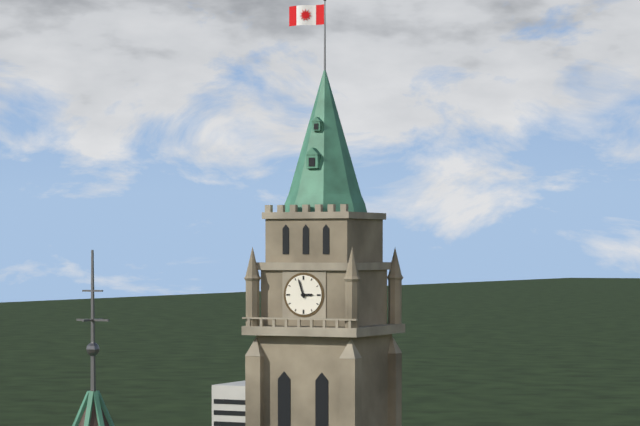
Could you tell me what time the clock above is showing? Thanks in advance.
2:57
